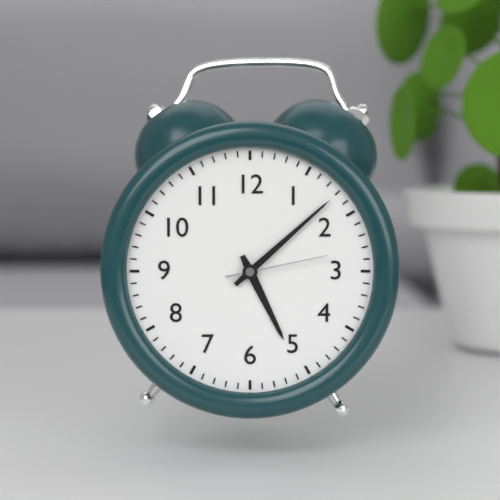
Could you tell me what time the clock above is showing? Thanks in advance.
5:08:13
